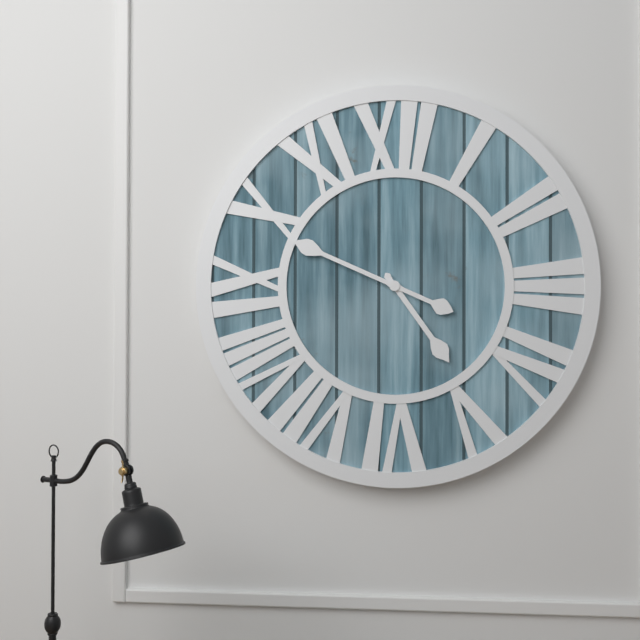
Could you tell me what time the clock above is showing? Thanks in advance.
4:49
